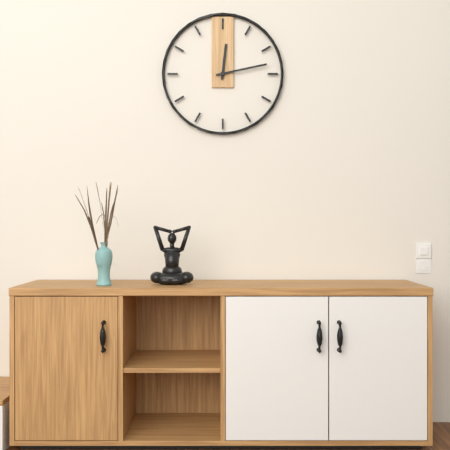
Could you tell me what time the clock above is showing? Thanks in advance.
12:13
